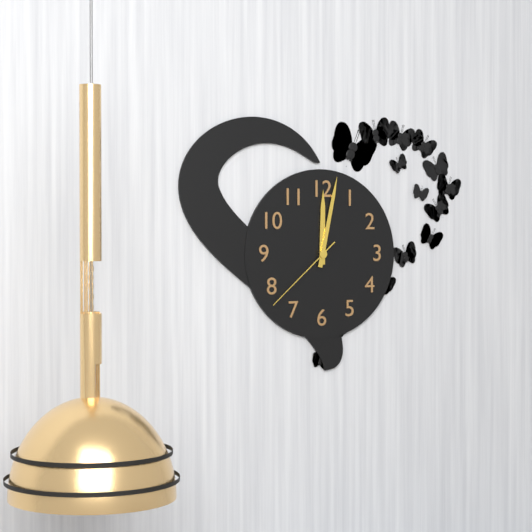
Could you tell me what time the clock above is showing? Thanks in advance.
12:02:38
